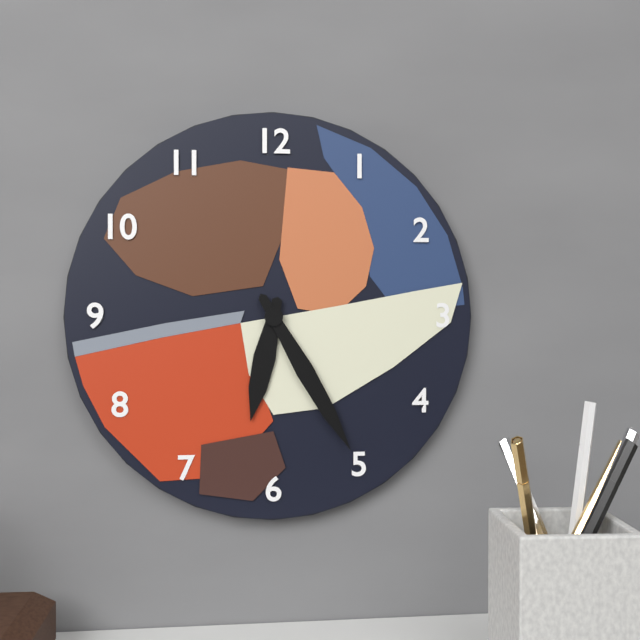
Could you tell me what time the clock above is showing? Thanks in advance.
6:25
